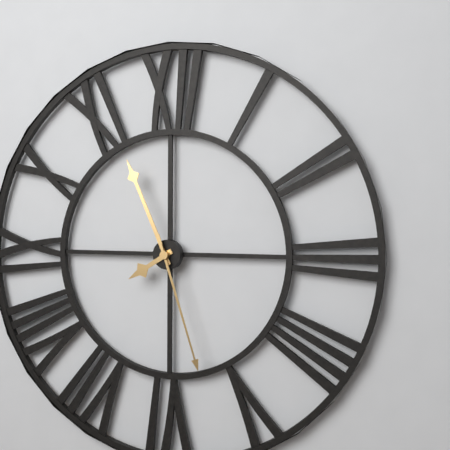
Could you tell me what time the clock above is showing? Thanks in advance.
7:56:27
